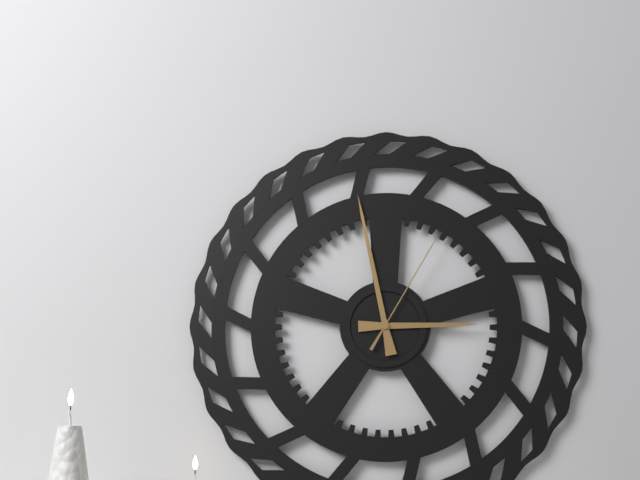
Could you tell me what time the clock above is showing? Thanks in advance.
2:58:05
